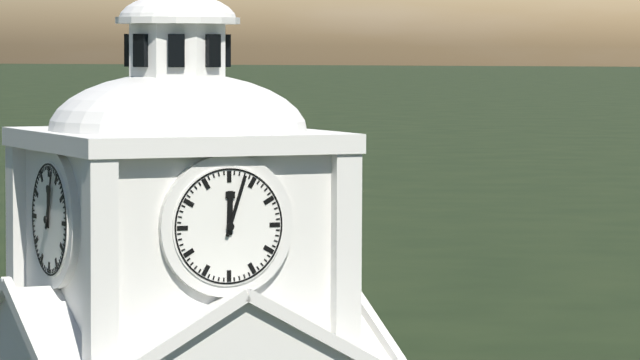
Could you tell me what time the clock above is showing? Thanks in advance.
12:03
